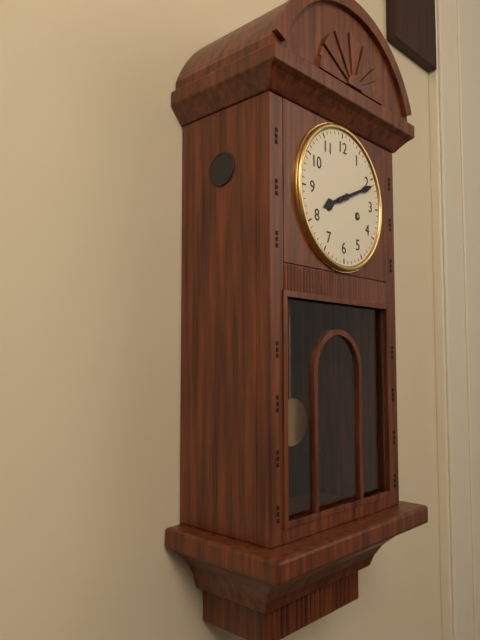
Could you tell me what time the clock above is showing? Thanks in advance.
8:11
